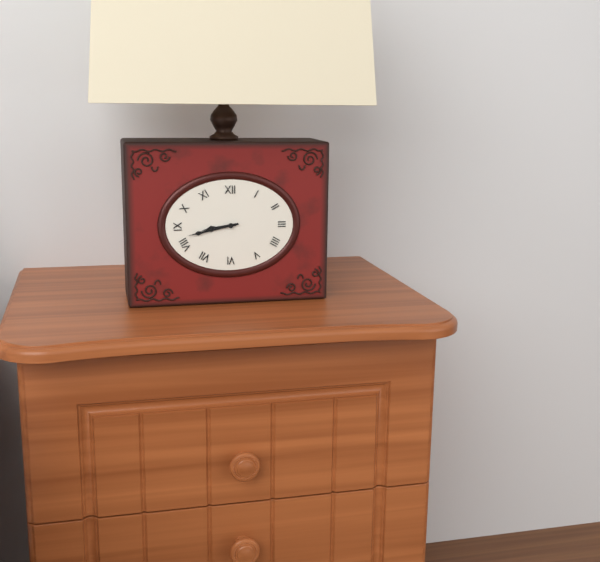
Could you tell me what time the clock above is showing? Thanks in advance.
8:43
